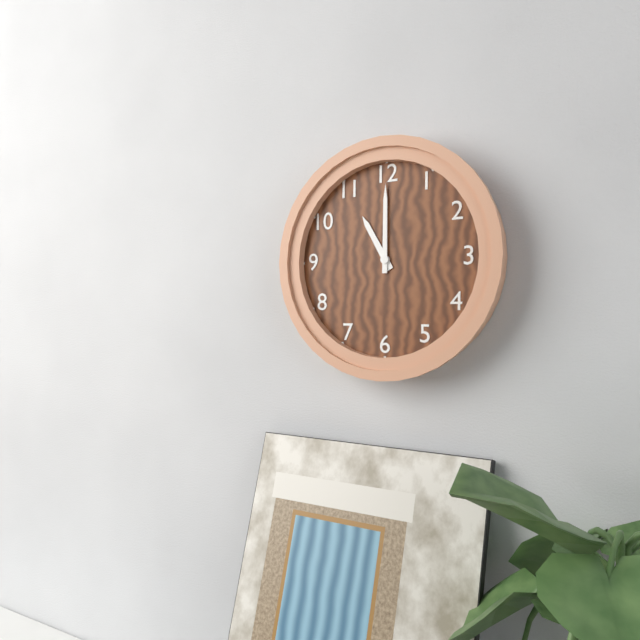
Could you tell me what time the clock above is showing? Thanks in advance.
11:00
